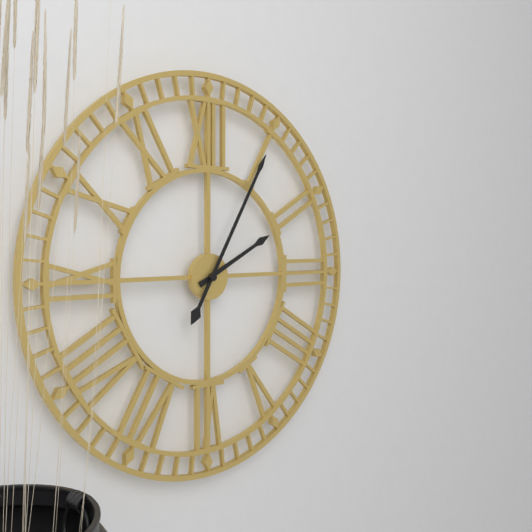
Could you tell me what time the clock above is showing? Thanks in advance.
2:05
